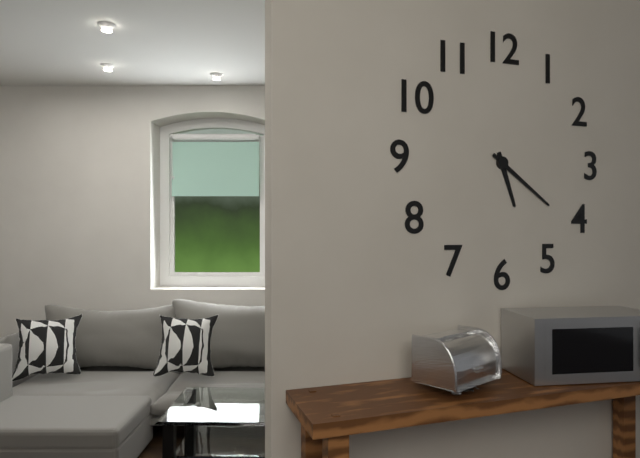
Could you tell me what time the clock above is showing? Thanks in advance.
5:21
